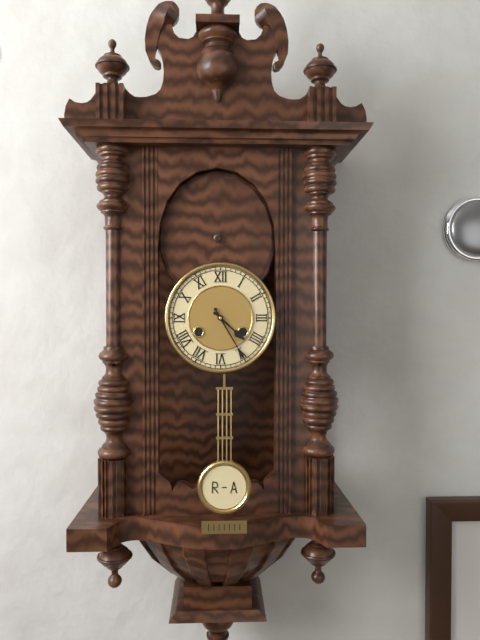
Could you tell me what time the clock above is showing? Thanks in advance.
4:25
